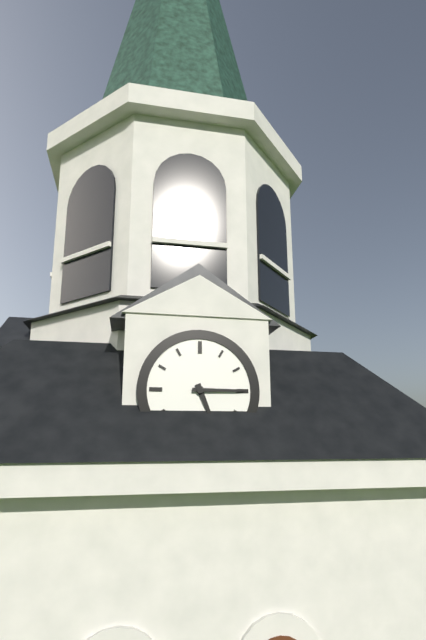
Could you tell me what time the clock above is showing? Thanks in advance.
5:15
